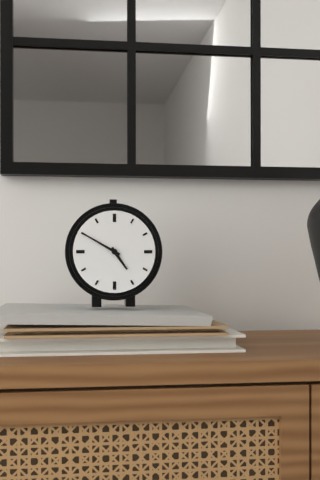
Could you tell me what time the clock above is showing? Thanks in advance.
4:50
